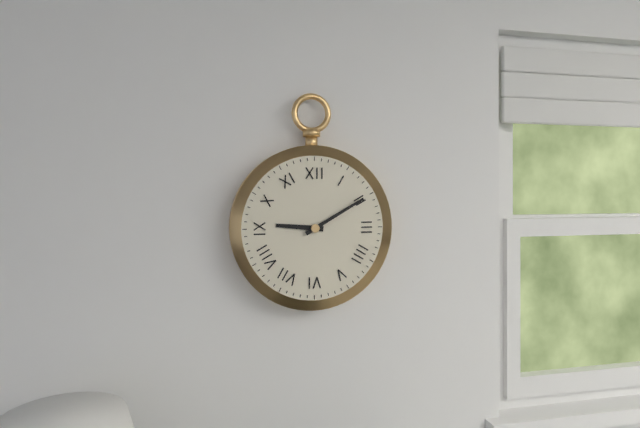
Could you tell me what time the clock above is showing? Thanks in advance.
9:10
